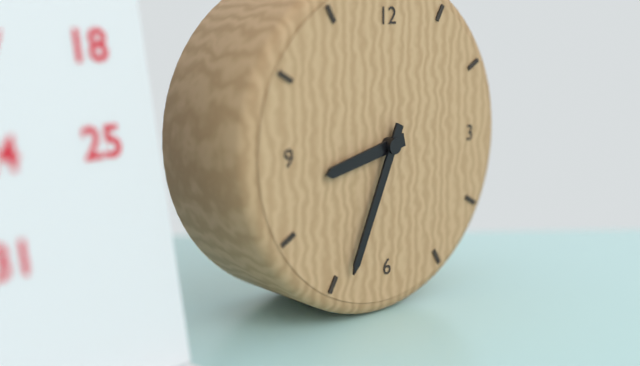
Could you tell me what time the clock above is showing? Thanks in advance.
8:34
